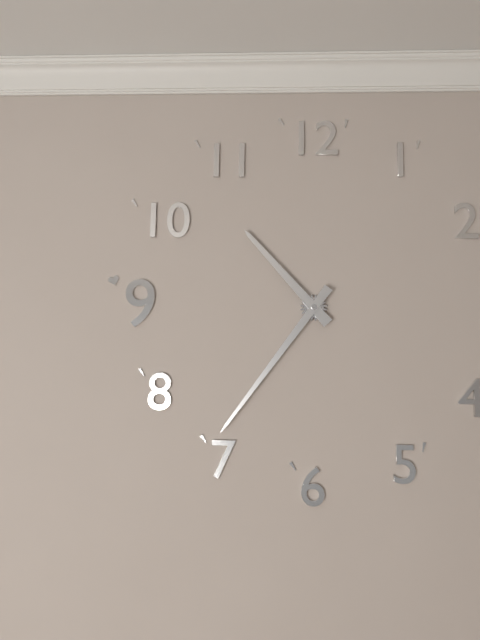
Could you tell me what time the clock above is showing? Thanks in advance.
10:36
